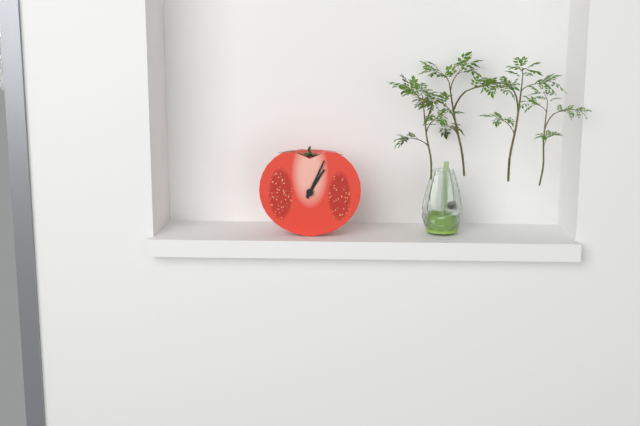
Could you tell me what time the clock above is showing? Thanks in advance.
1:04
